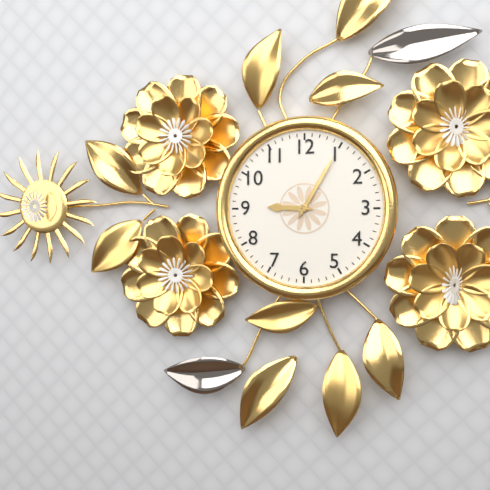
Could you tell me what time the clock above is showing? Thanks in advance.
9:05
